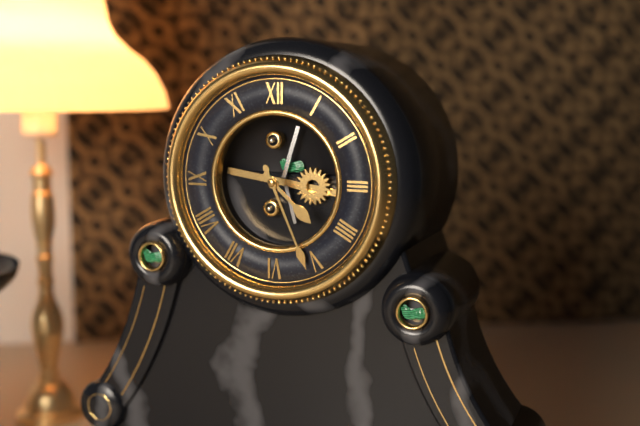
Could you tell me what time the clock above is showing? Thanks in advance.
4:26
